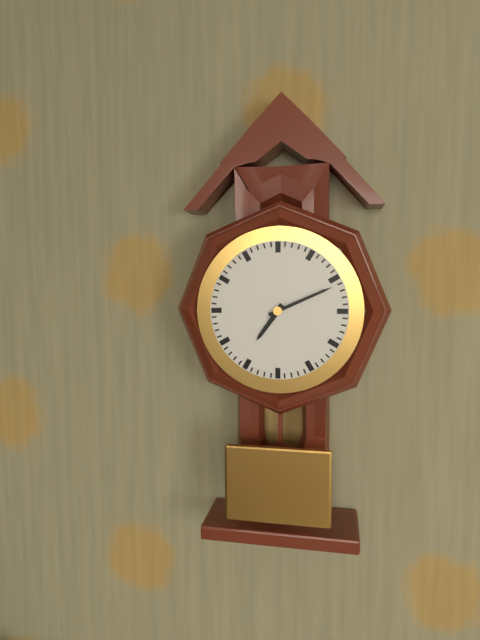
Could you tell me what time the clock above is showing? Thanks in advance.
7:11
